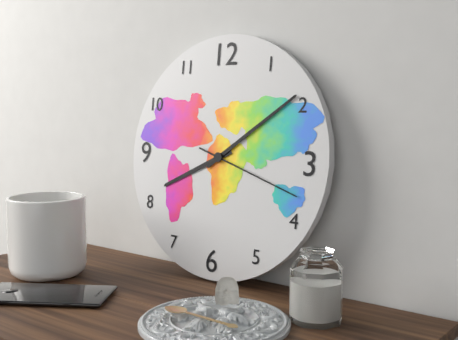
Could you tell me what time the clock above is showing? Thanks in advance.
8:09:18
